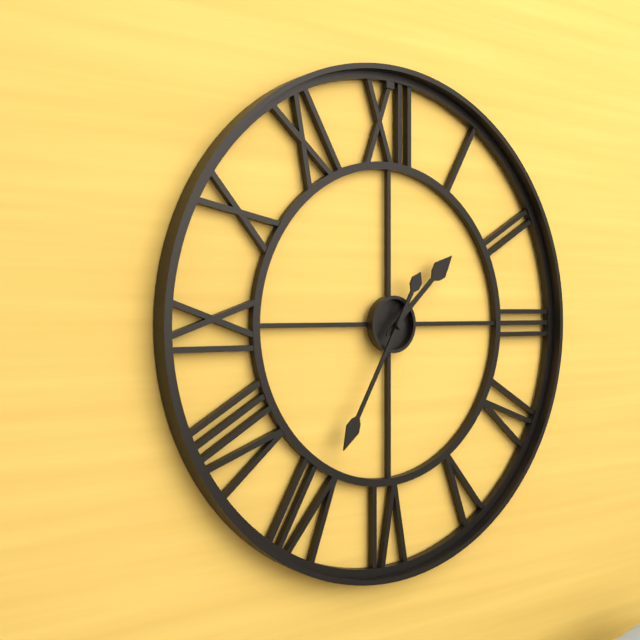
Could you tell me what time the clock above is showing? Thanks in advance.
1:35
